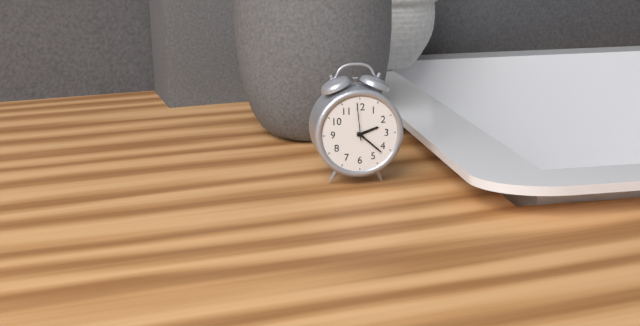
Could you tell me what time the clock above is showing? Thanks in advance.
2:22
